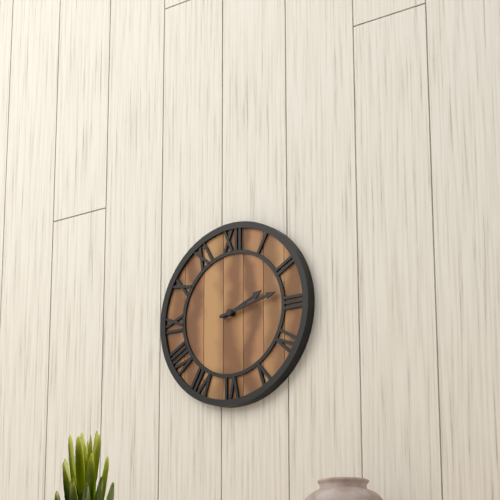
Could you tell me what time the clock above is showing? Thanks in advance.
2:13
